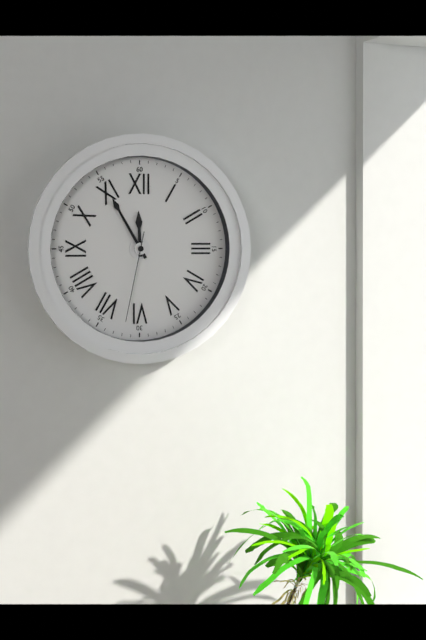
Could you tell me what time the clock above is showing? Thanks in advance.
11:55:32
